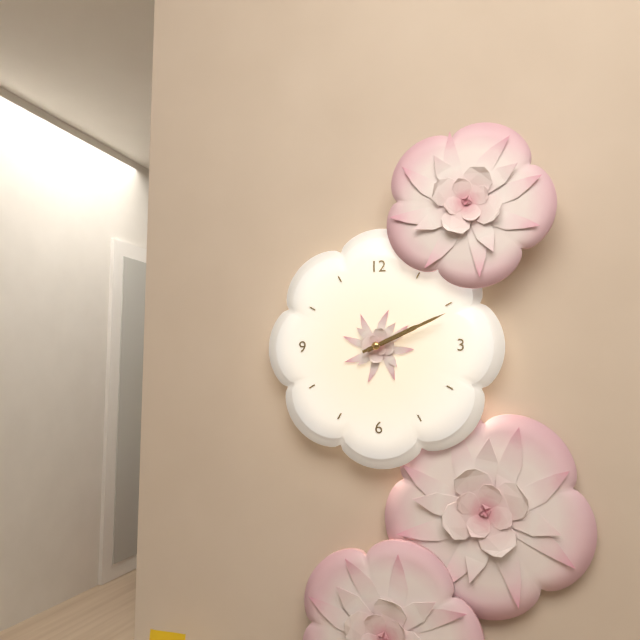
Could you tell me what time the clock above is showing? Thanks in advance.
2:11
